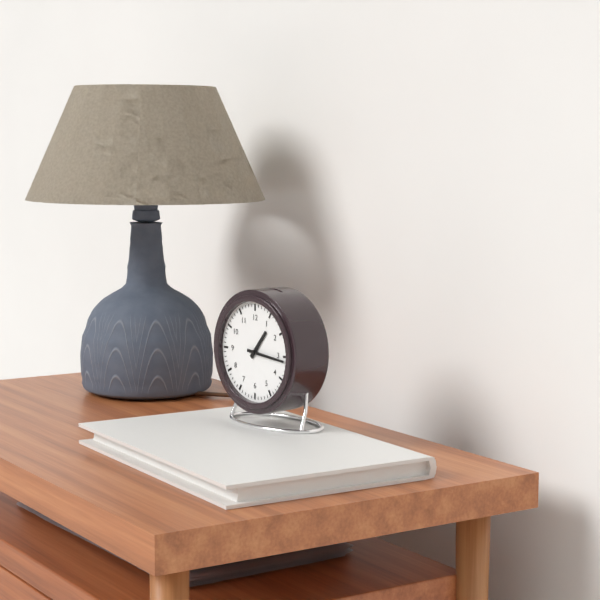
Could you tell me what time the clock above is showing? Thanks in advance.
1:16
